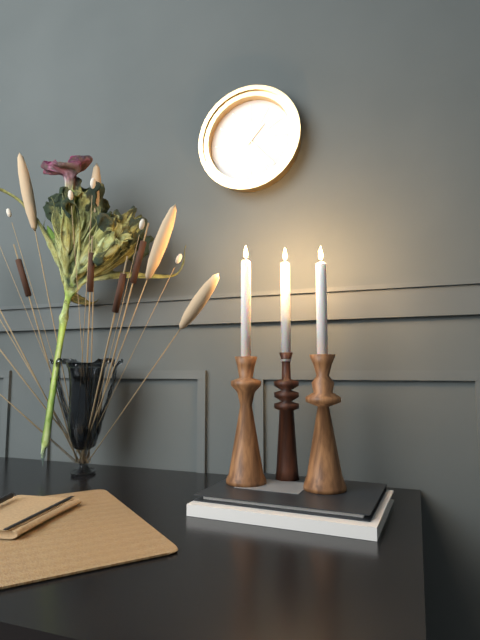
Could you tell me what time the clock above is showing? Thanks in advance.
1:23
